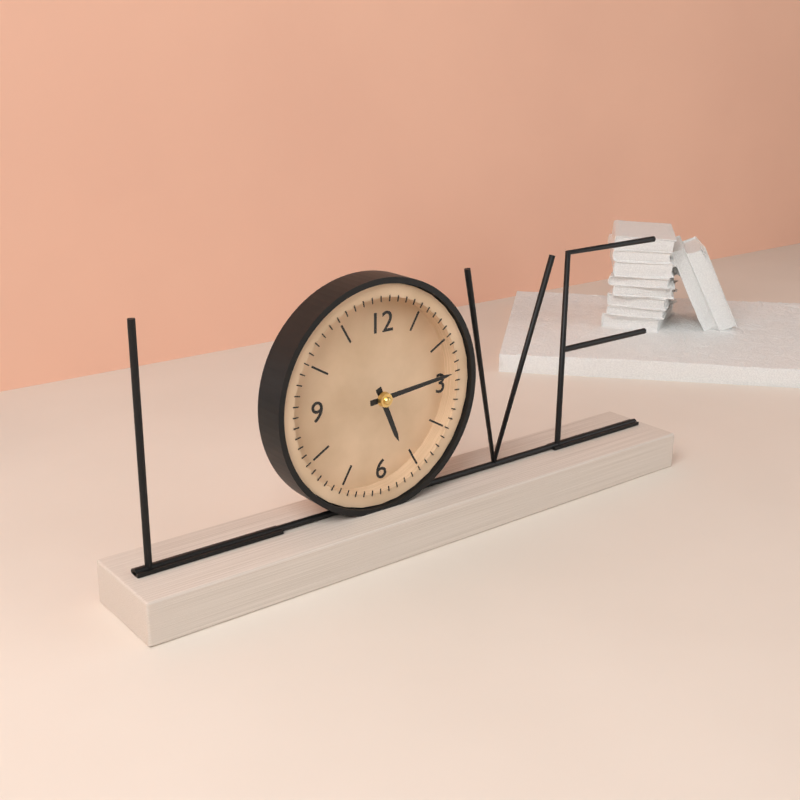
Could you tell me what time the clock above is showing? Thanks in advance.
5:14
